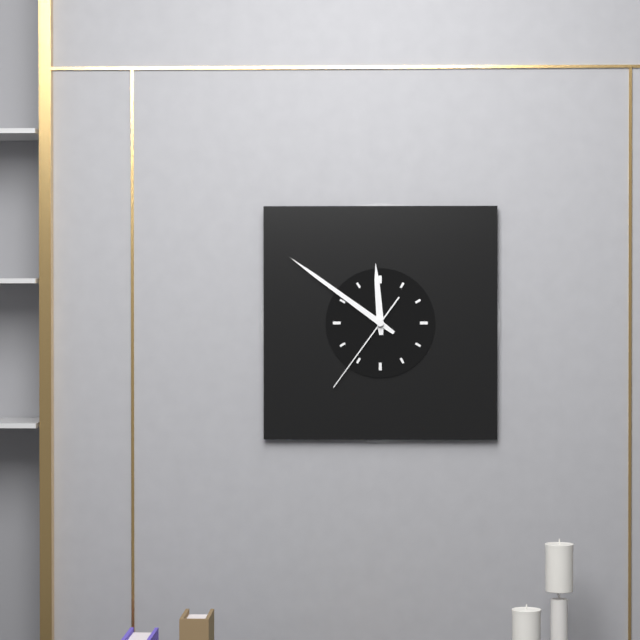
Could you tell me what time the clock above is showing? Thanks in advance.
11:51:36
